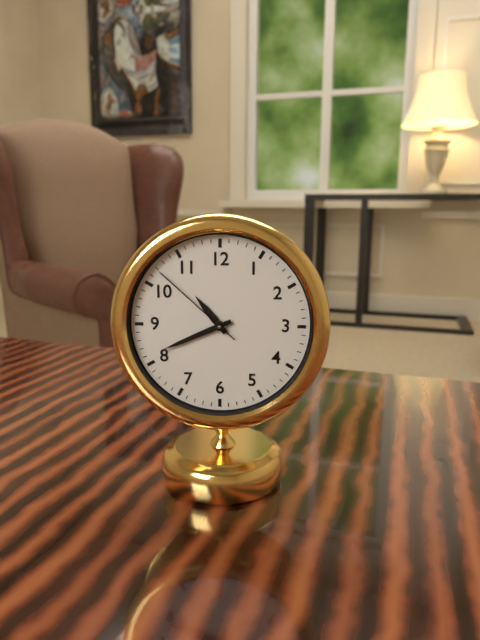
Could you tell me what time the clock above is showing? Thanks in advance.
10:41:52
